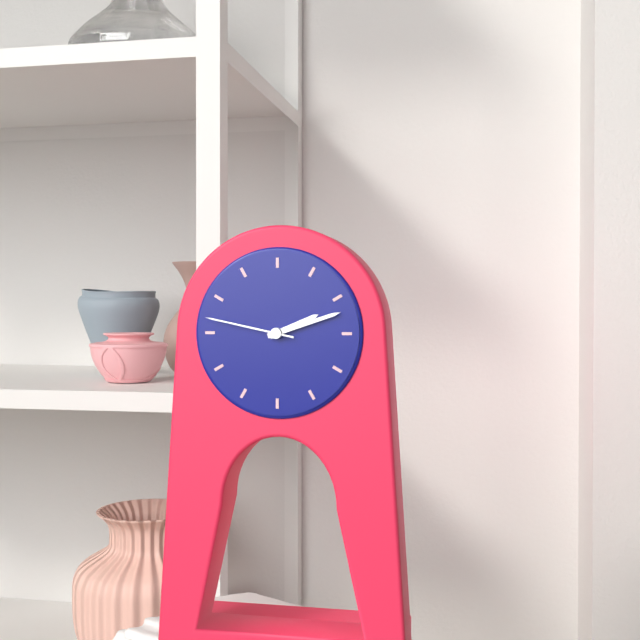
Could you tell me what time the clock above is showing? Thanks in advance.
2:12:47
